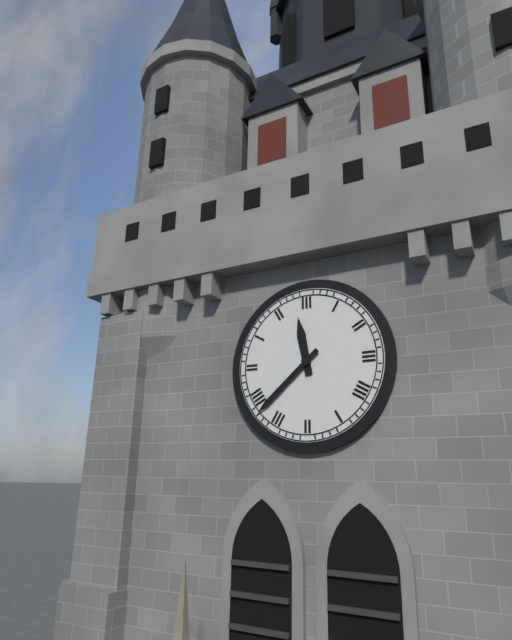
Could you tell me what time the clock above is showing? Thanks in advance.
11:38
